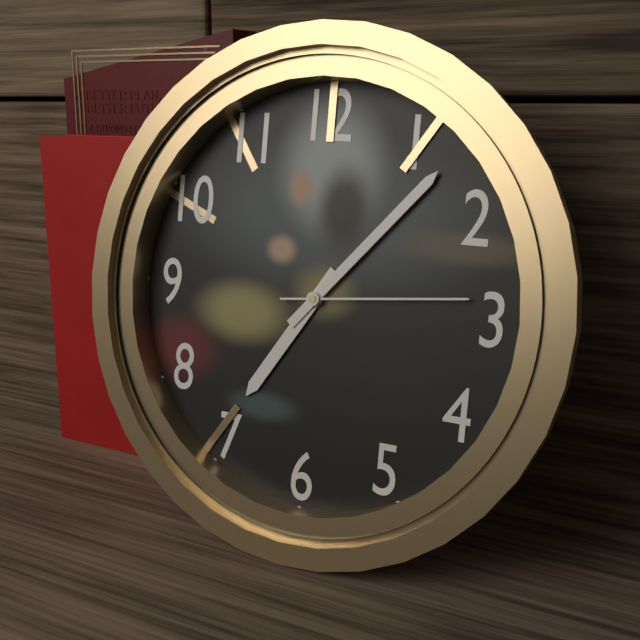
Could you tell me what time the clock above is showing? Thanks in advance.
7:07:14
